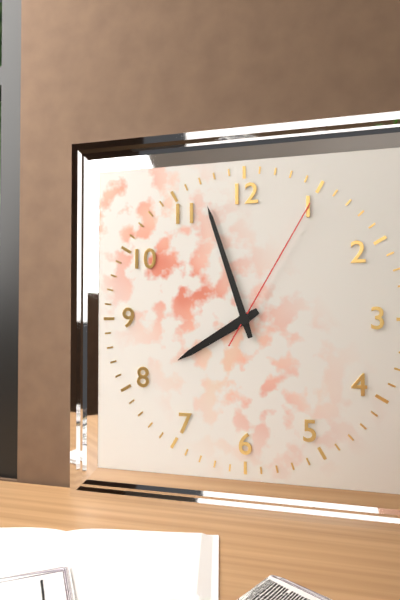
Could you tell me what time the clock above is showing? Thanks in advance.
7:57:05
